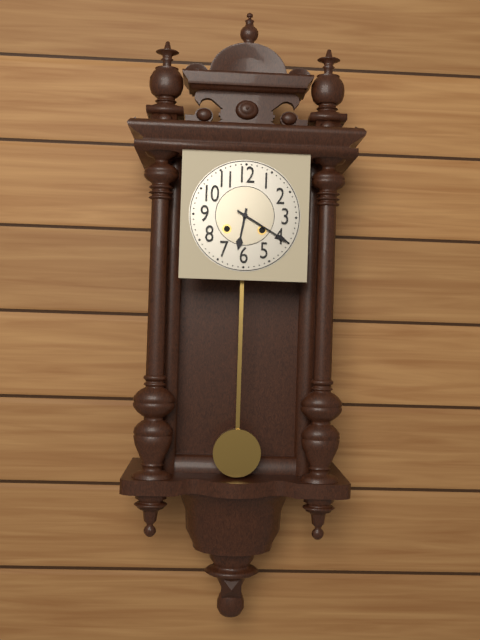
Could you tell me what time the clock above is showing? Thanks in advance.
6:20
